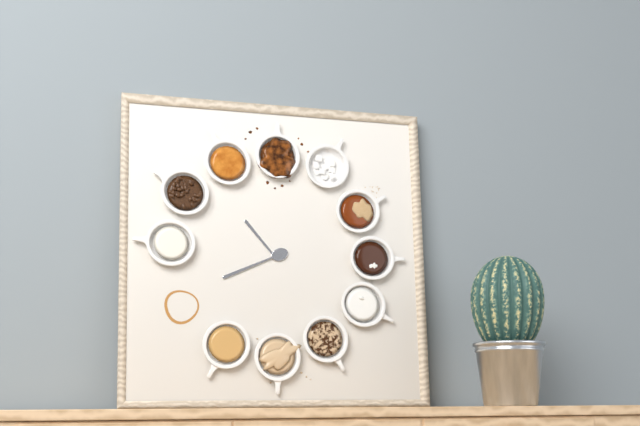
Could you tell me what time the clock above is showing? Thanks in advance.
10:41
